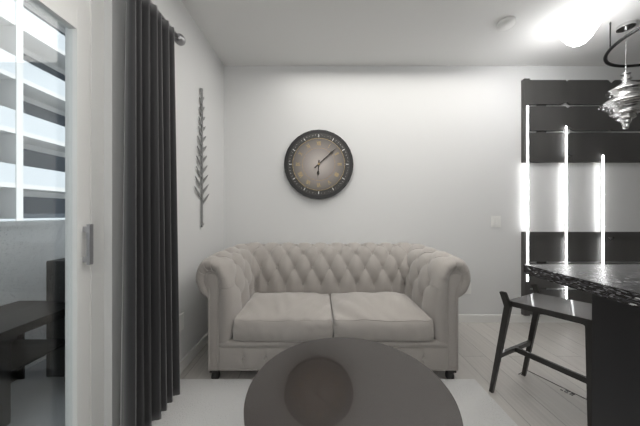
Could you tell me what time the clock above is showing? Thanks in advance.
6:08
